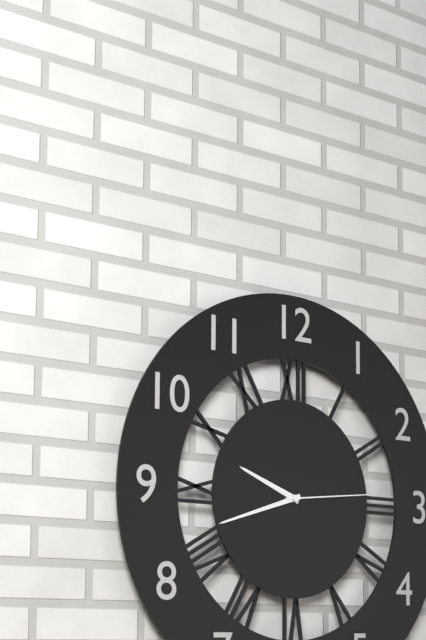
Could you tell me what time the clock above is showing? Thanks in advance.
9:42:14
